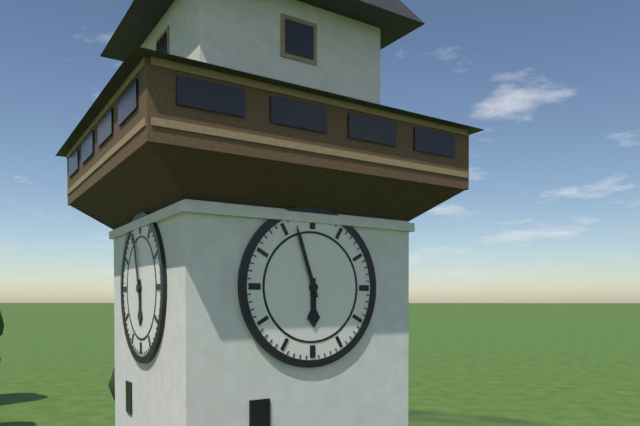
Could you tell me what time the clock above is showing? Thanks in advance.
5:57
